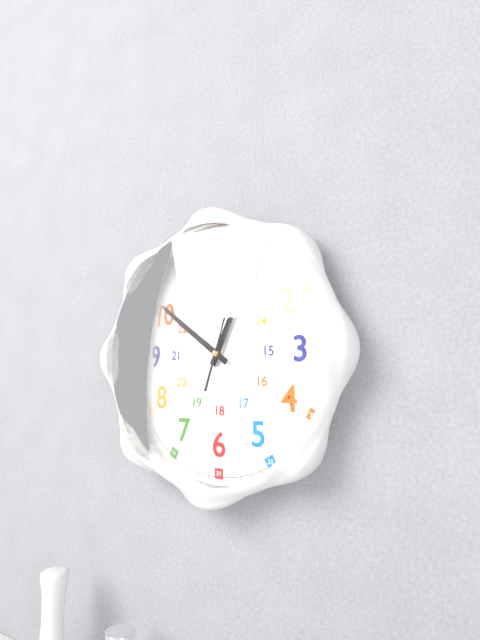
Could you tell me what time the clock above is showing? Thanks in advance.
12:51:03
